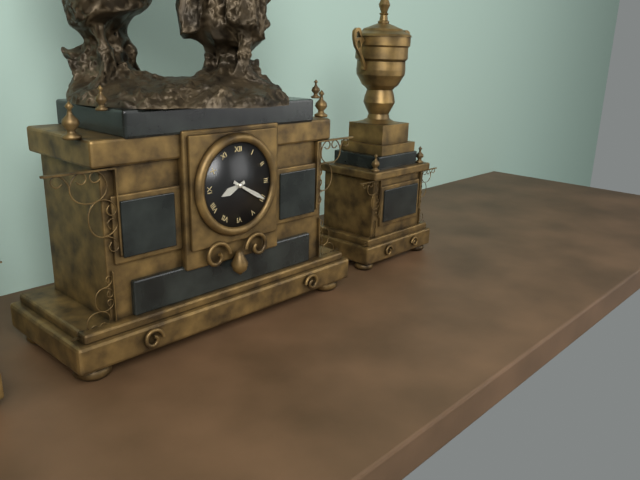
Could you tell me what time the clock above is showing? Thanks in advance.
8:20
